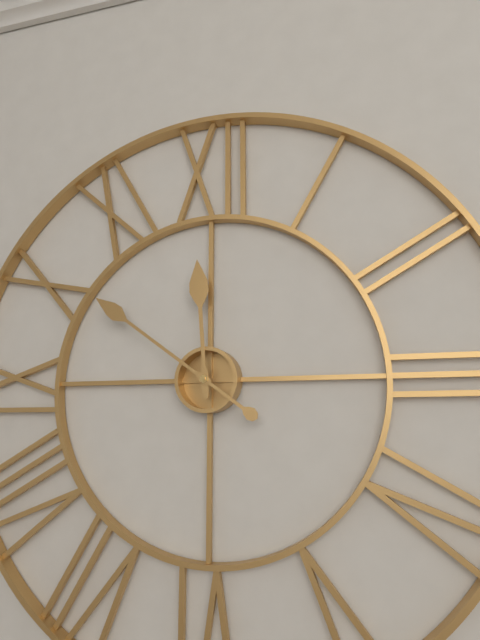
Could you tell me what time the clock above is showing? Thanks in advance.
11:51
